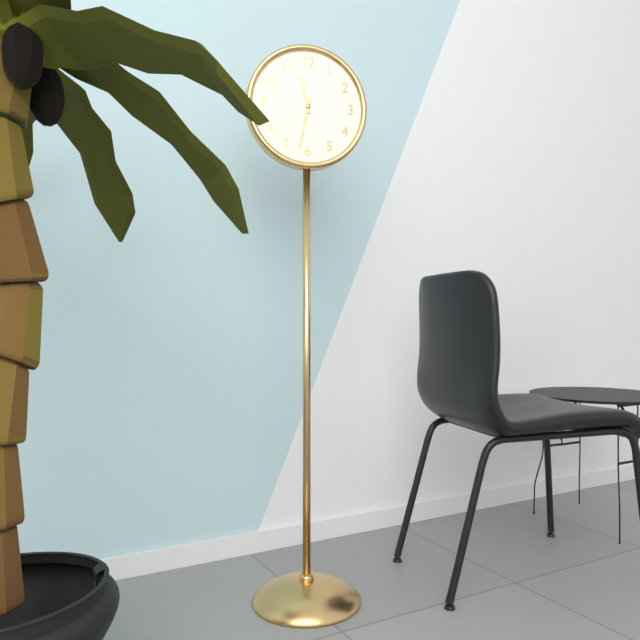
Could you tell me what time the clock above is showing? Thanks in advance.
11:32
